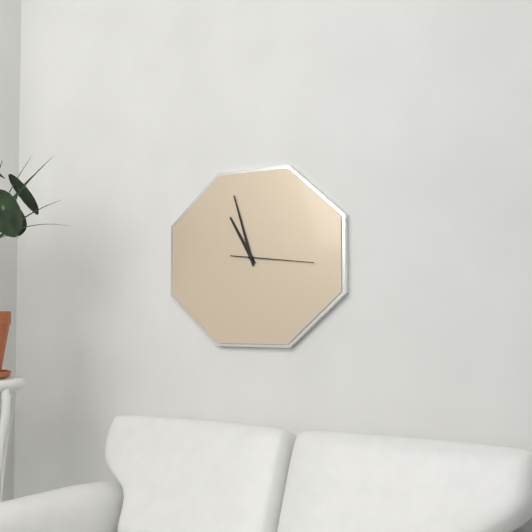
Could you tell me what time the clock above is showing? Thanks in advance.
10:57:16
